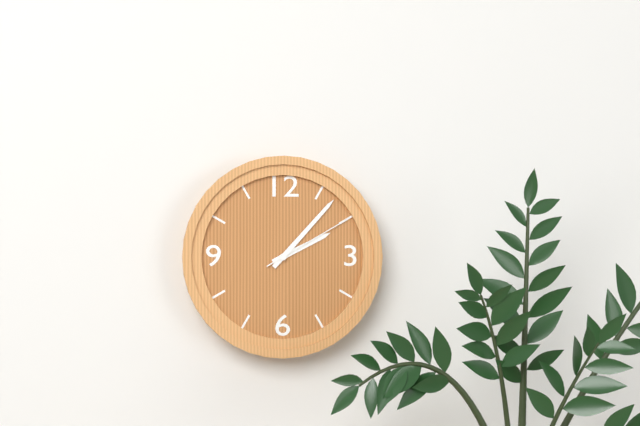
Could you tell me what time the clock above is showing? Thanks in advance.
2:07:10
